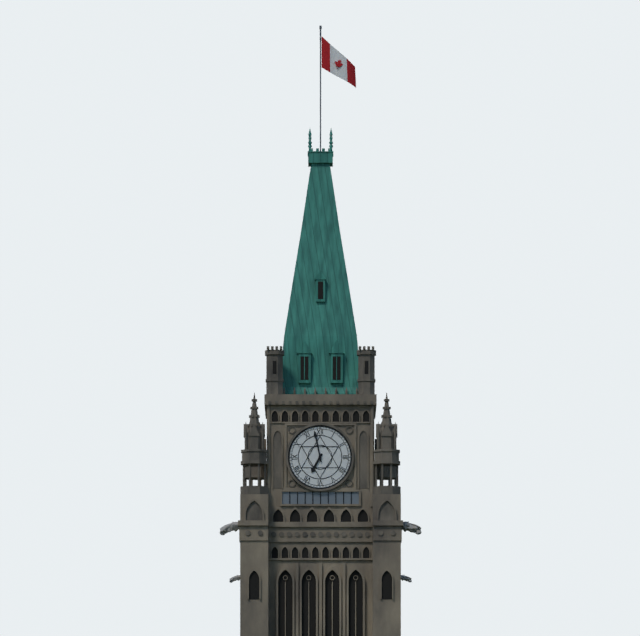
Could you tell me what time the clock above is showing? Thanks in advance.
6:58
